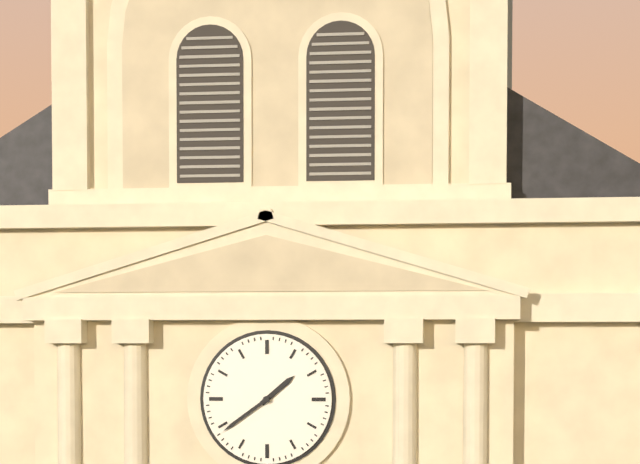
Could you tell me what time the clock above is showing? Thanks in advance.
1:39
